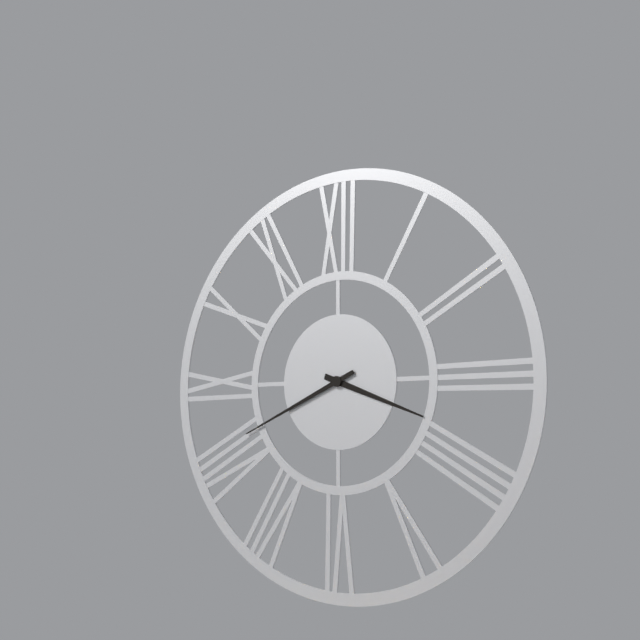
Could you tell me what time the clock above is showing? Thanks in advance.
3:41
